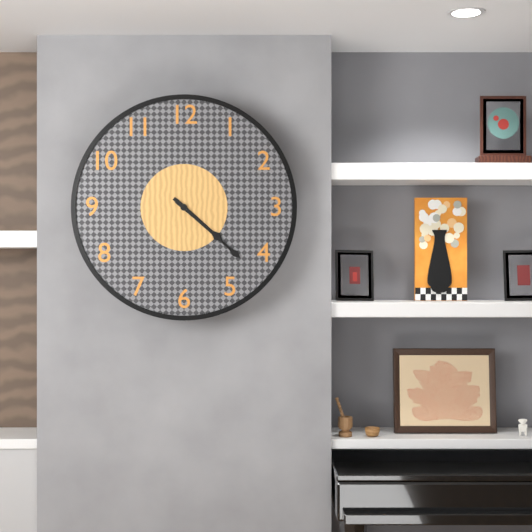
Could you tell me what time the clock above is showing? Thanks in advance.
4:22
